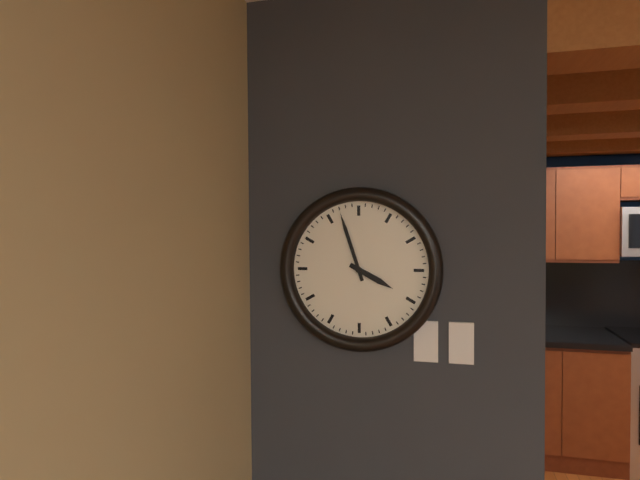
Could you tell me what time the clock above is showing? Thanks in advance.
3:57
